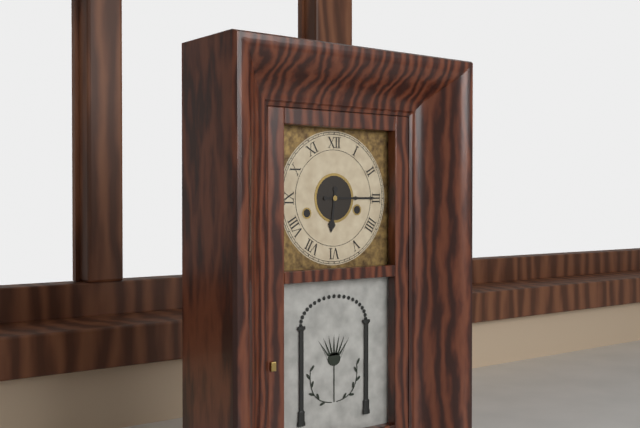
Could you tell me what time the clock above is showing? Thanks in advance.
6:15
